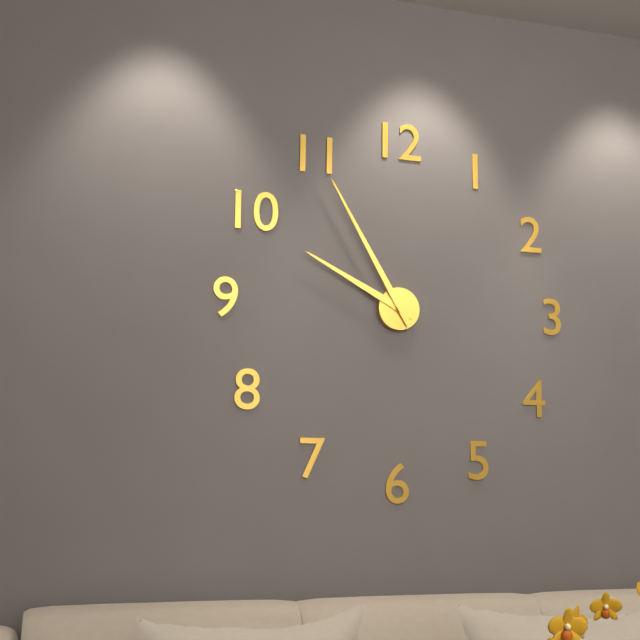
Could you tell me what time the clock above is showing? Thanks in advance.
9:55
